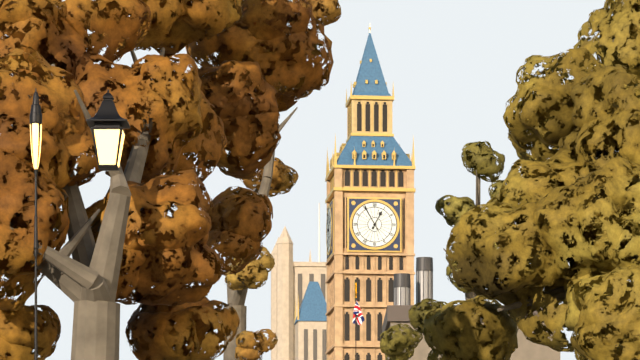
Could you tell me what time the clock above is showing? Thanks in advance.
12:55
